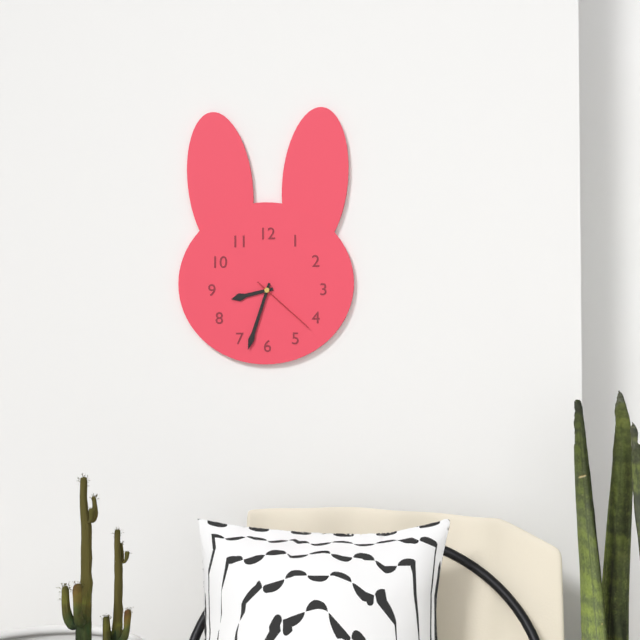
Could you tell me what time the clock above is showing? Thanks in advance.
8:33:22
